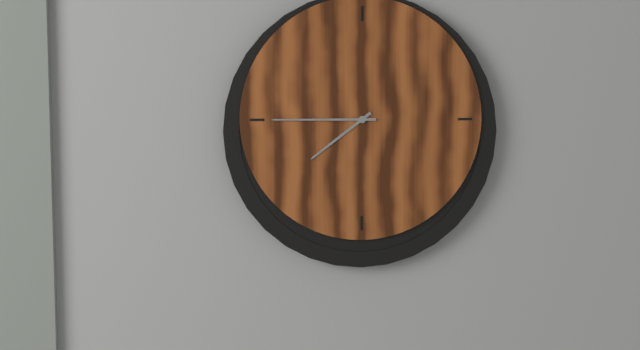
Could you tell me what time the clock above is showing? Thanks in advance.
7:45
